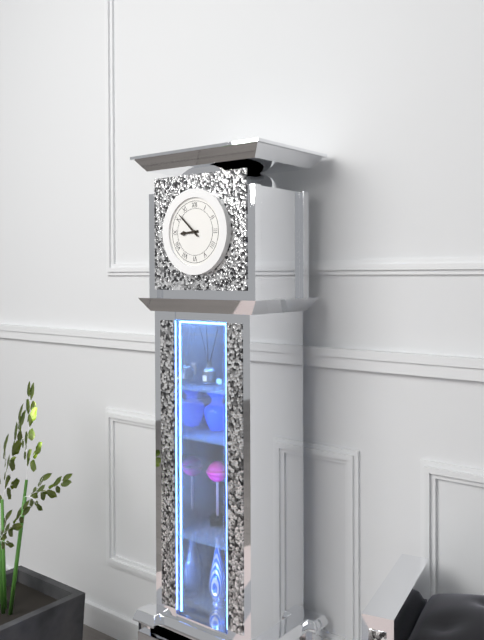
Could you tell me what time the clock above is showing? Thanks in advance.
8:52
